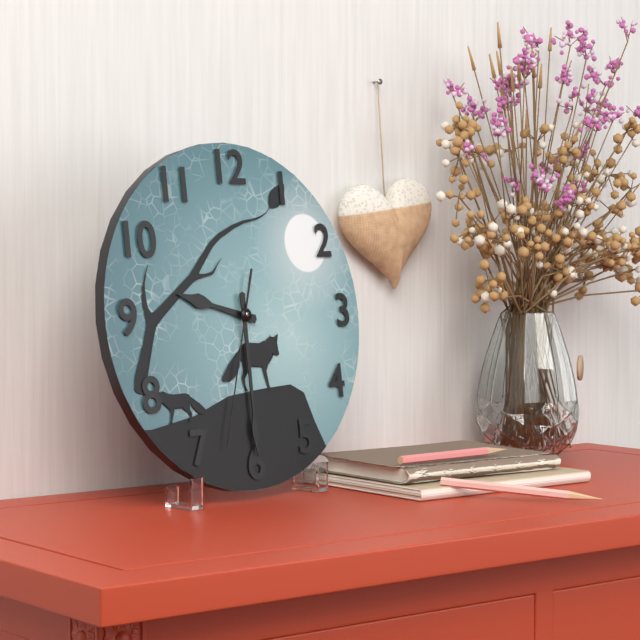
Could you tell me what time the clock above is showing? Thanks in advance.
9:30:33
